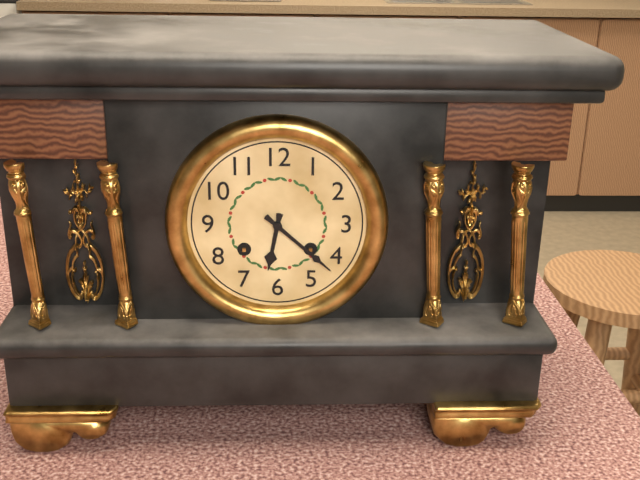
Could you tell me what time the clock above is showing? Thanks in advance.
6:22
